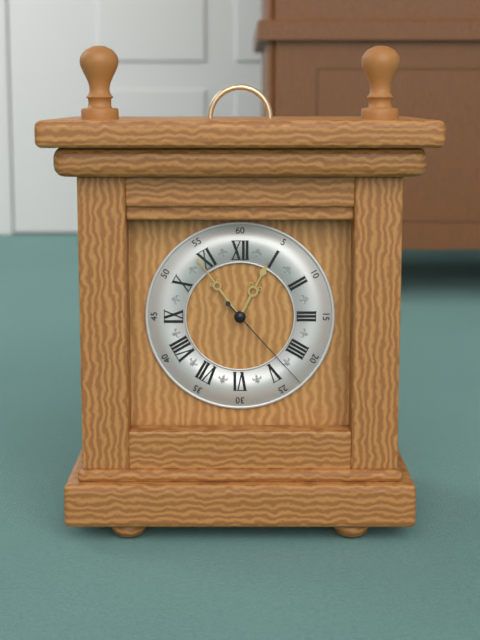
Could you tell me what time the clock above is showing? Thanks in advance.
12:54:23
